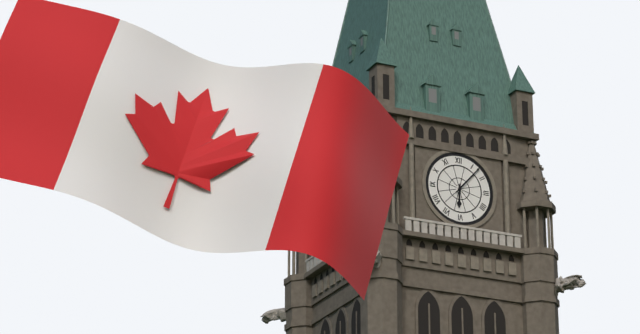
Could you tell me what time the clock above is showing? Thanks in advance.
6:07
